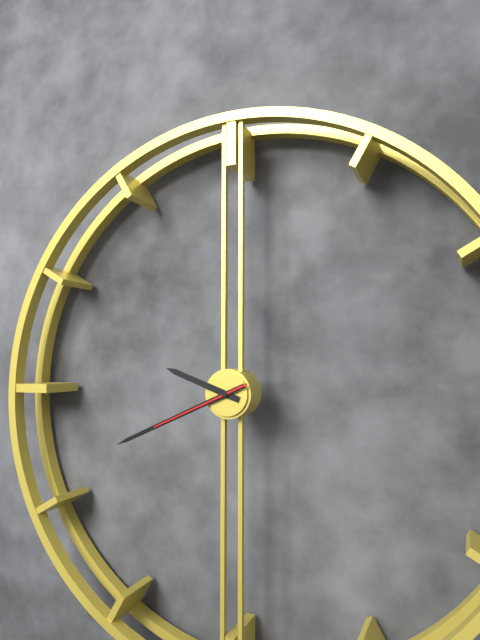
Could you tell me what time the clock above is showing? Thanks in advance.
9:41:41
